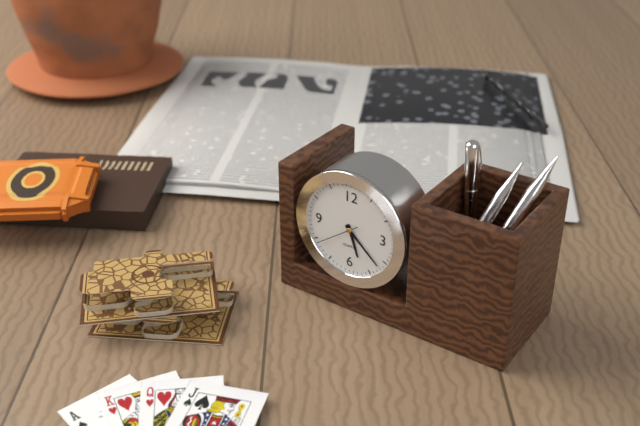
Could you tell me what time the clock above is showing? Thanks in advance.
5:22:39
